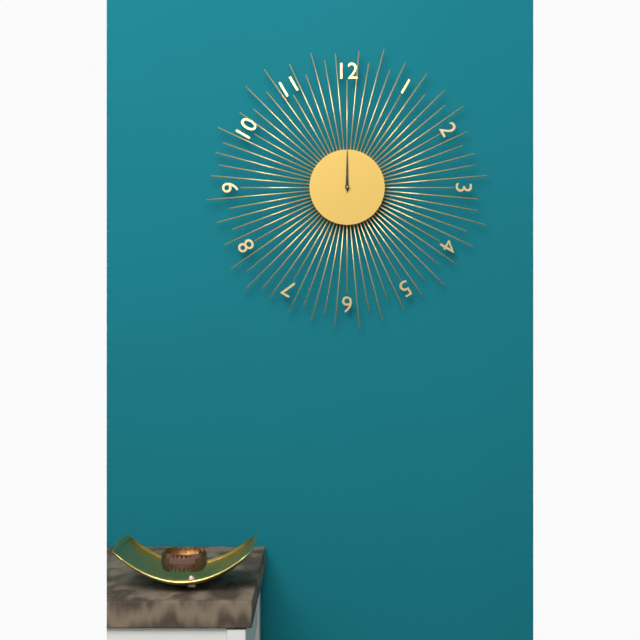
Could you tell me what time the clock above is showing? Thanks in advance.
12:00
